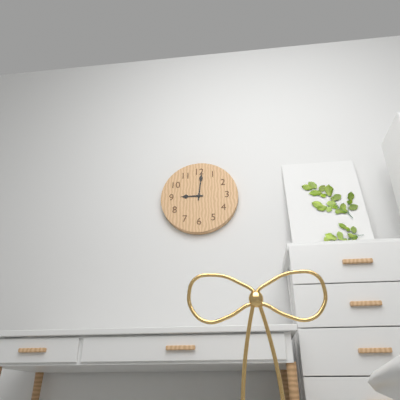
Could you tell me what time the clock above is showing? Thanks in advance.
9:01
